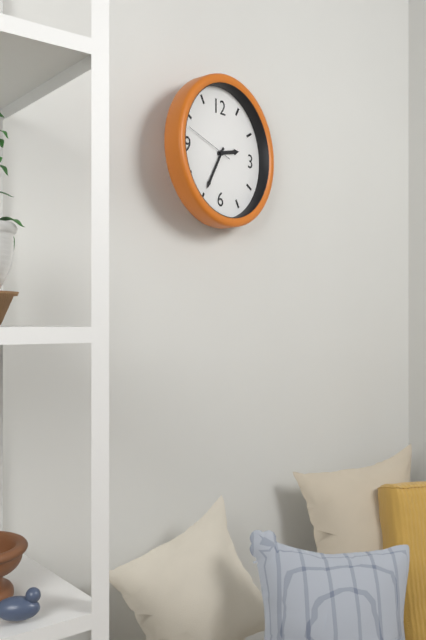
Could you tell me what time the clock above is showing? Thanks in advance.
2:35
